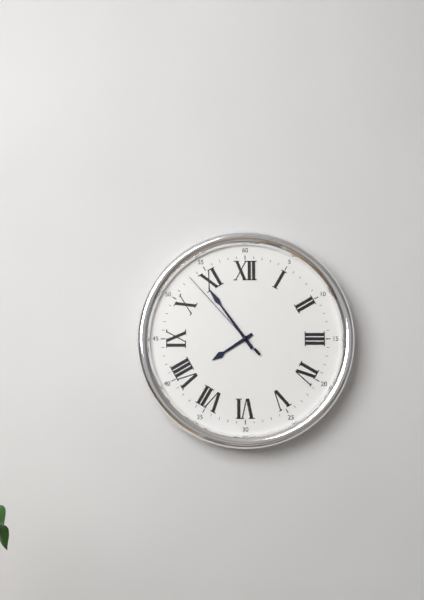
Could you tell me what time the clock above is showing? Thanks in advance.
7:54:53
